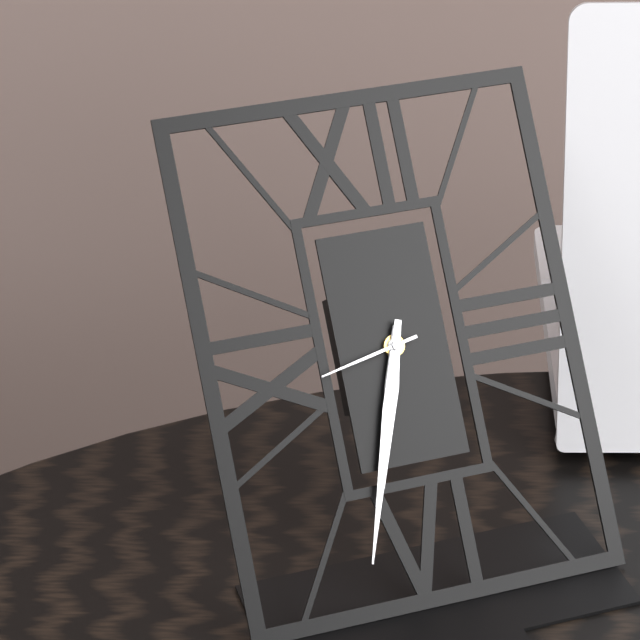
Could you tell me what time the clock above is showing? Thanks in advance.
6:33:43
